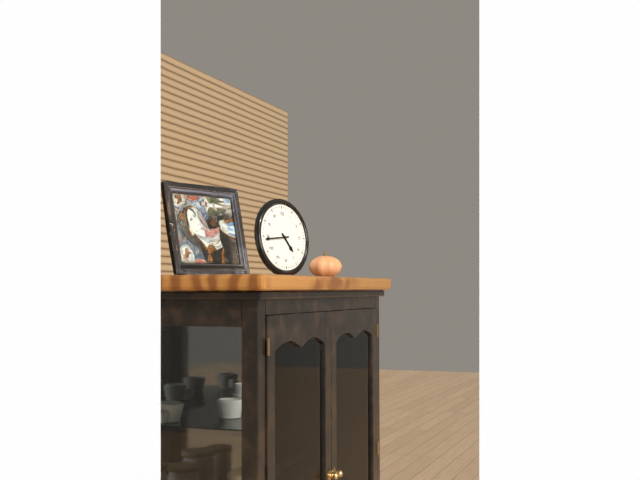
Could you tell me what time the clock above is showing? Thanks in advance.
4:44
